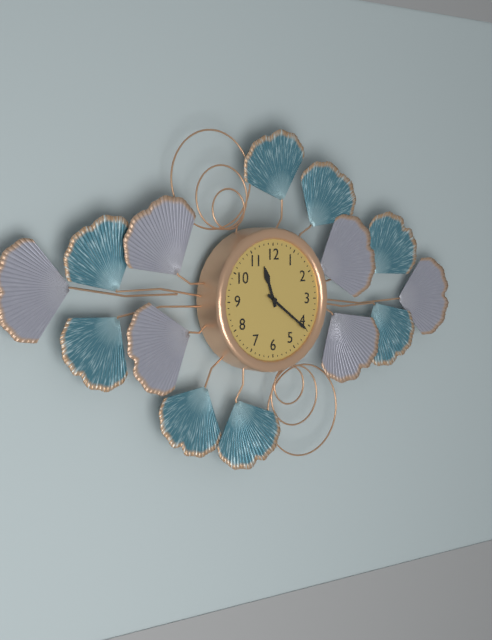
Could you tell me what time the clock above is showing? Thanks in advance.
11:21
